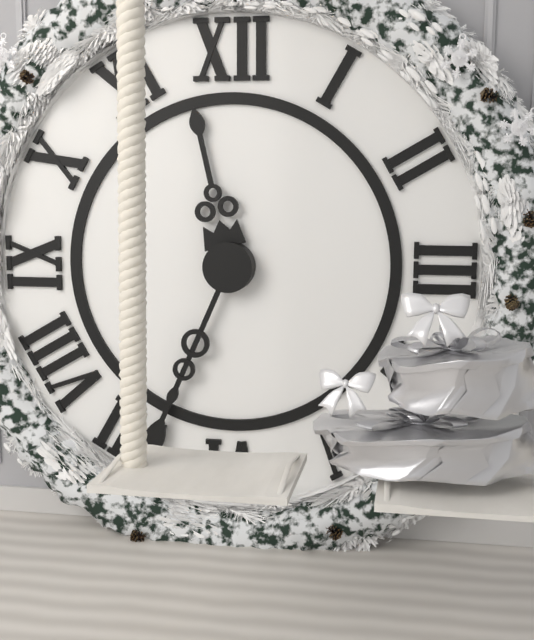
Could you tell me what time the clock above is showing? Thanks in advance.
11:34
